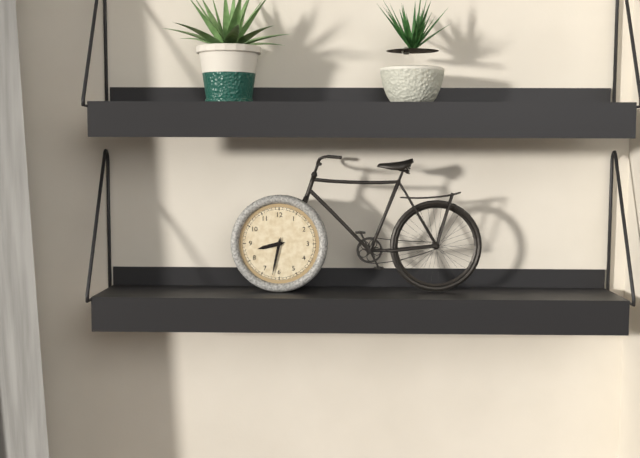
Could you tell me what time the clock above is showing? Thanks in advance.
8:32
